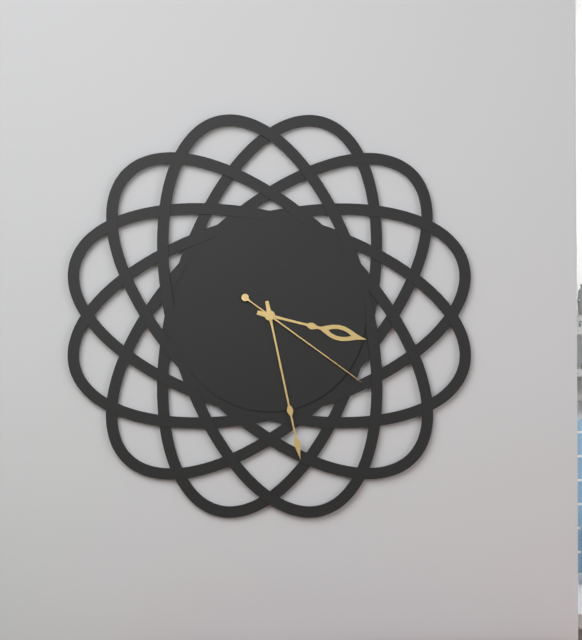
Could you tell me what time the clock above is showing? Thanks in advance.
3:28:21
